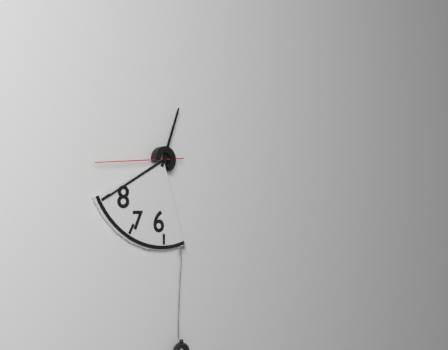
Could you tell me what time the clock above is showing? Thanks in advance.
12:40:44
